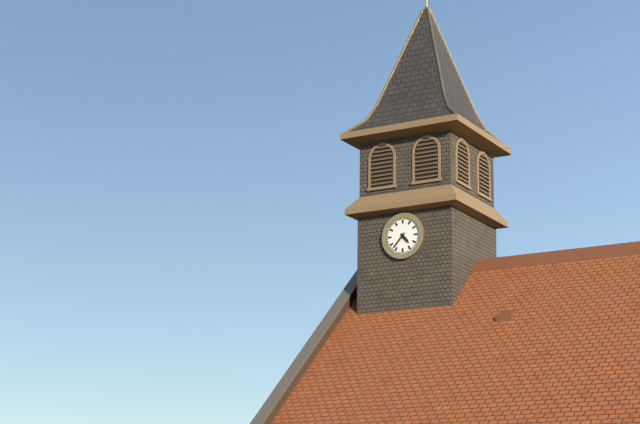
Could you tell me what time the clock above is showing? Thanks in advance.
4:37
